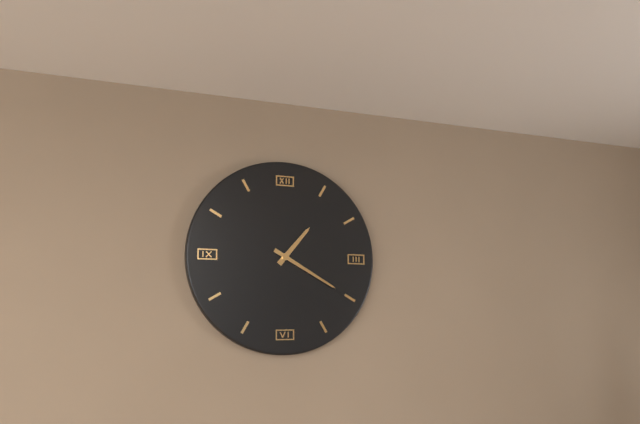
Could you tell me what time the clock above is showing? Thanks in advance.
1:20
